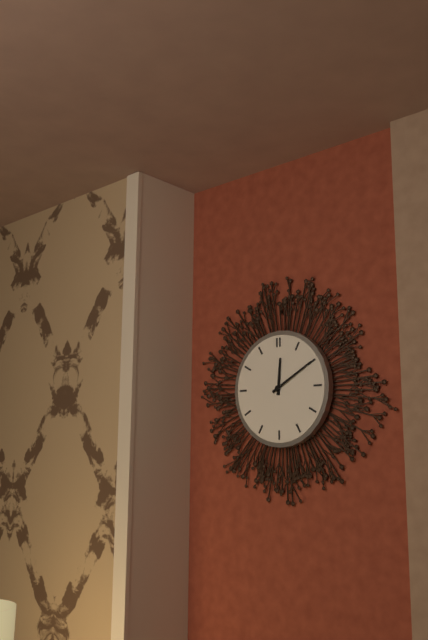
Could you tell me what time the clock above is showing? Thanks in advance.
12:10
